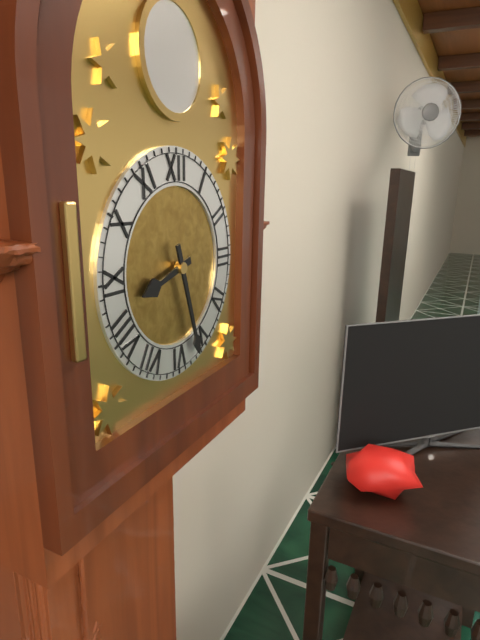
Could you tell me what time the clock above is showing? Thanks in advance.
8:27
